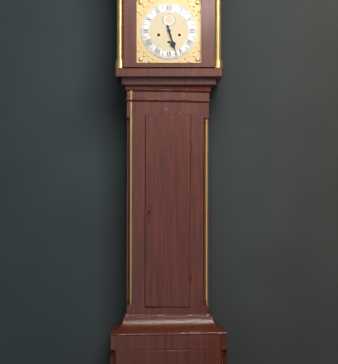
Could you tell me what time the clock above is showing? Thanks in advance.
5:27
